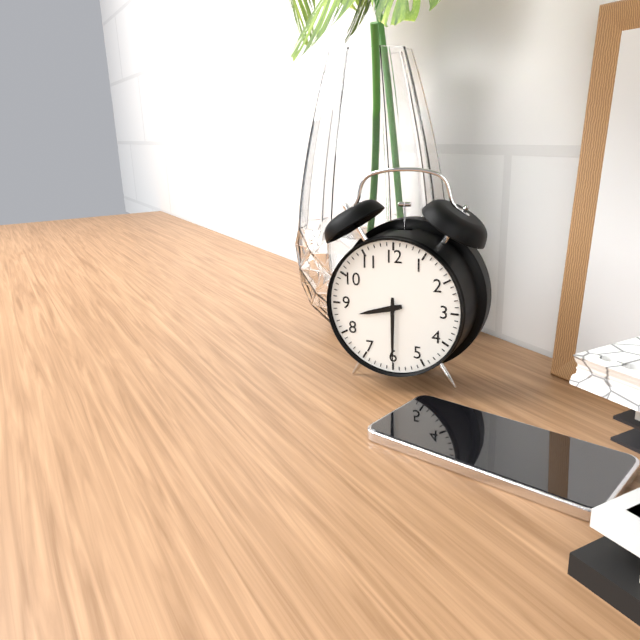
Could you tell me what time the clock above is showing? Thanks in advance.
8:30
